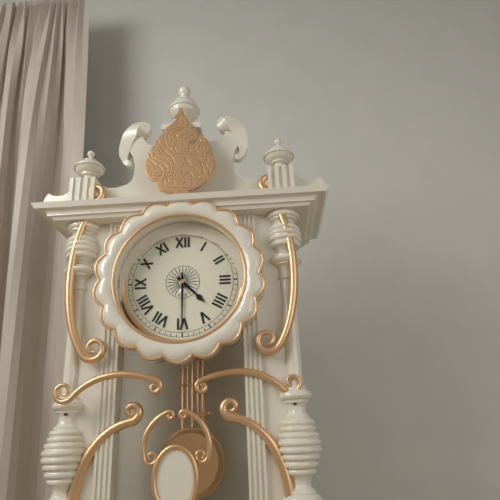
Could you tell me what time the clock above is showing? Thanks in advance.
4:30
